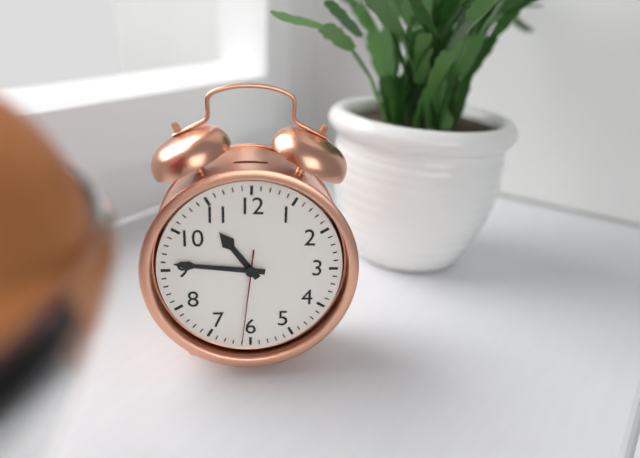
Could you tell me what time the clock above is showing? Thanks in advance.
10:46:31
